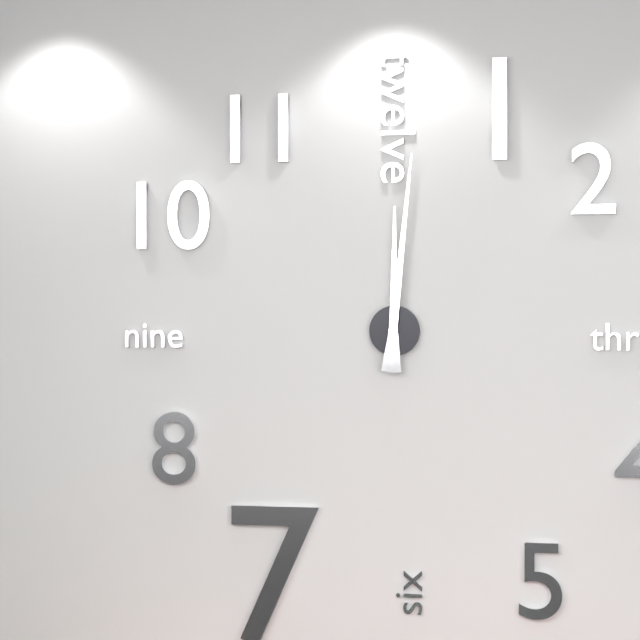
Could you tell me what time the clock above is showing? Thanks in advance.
12:01
